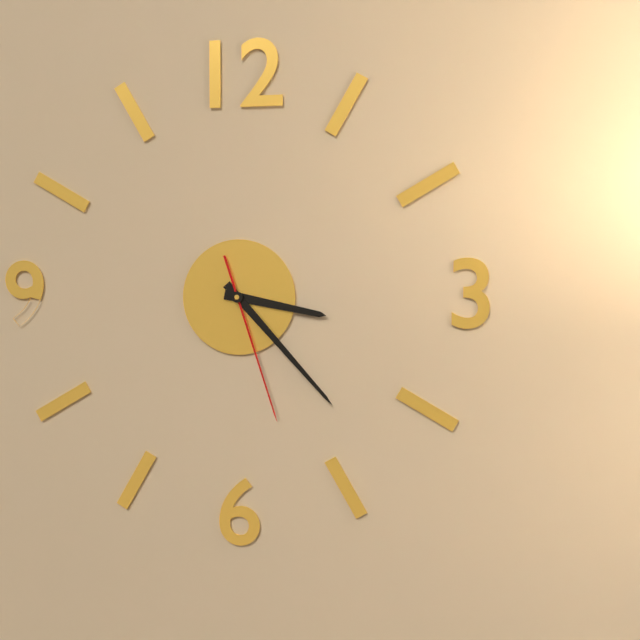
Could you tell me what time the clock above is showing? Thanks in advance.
3:23:27
